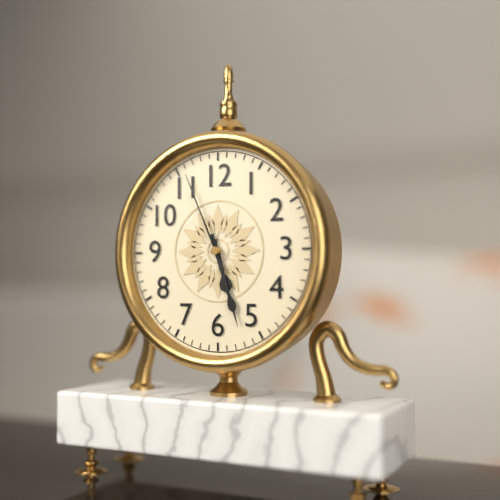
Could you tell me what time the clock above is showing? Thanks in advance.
5:27:56
